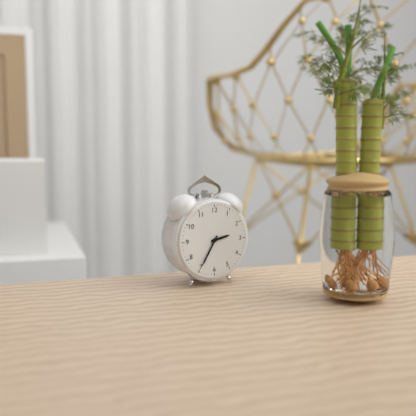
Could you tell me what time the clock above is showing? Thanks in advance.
2:35
